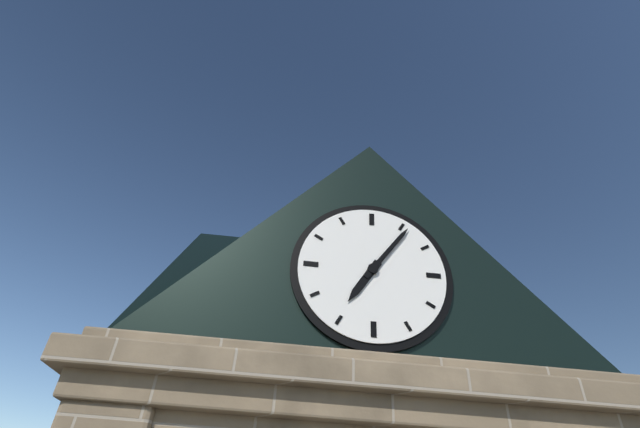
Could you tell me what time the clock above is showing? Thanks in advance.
7:06
